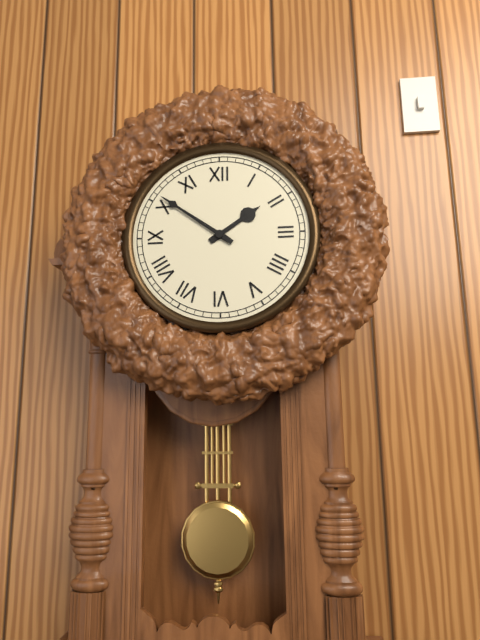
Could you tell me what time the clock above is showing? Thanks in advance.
1:51
